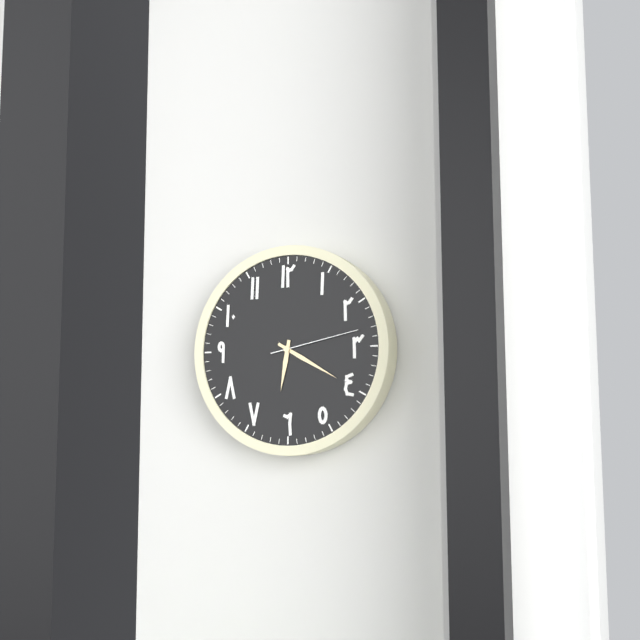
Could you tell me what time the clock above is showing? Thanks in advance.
6:20:13
